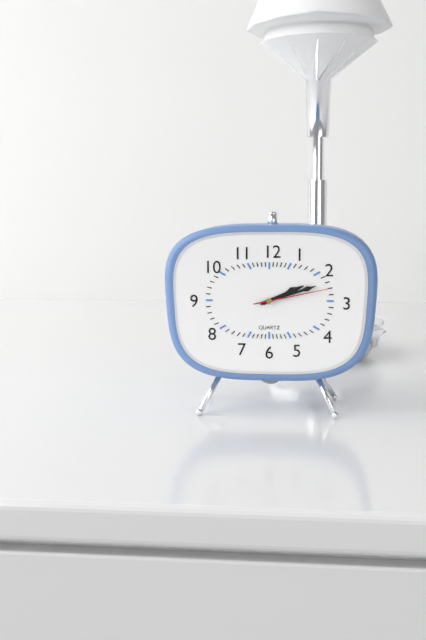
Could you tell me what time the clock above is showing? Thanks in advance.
2:12:13
